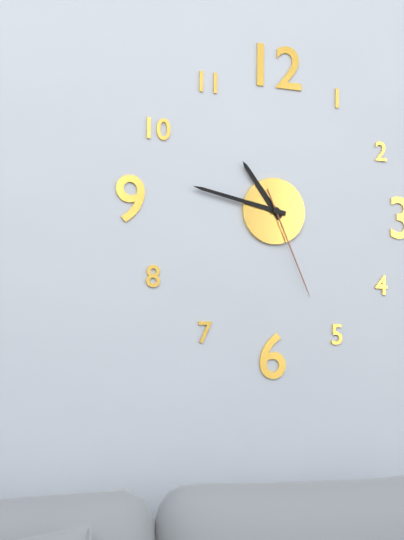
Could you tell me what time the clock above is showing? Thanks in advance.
10:47:26
